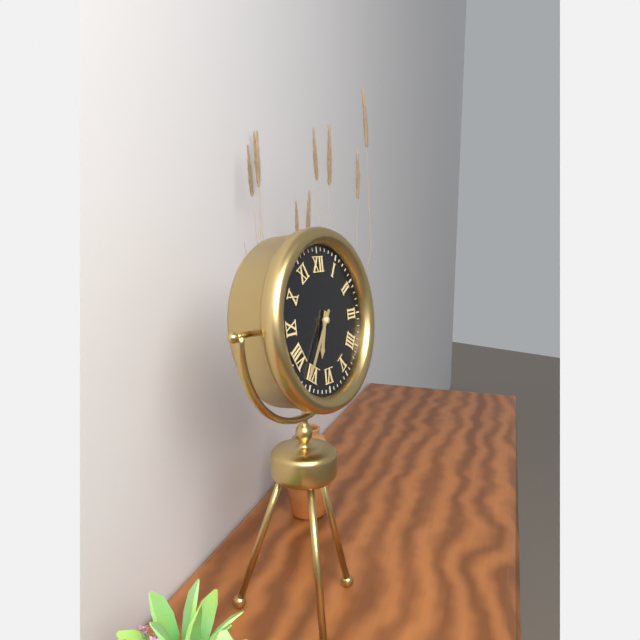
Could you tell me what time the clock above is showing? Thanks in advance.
6:36
